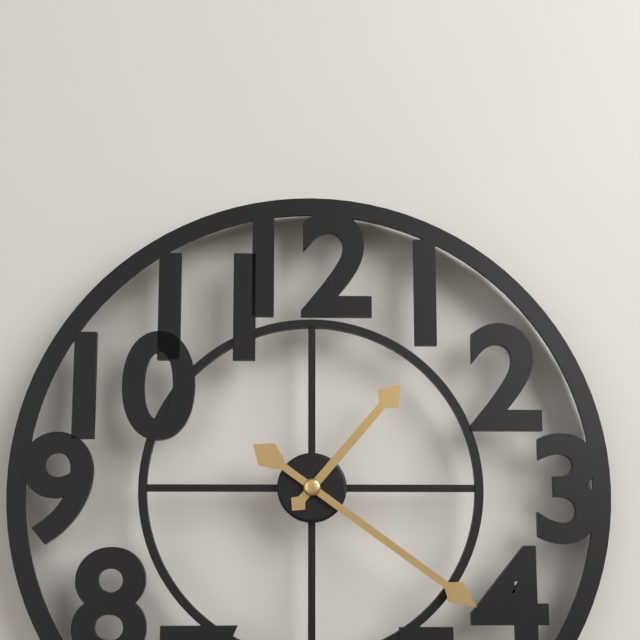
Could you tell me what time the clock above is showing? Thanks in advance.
1:21
